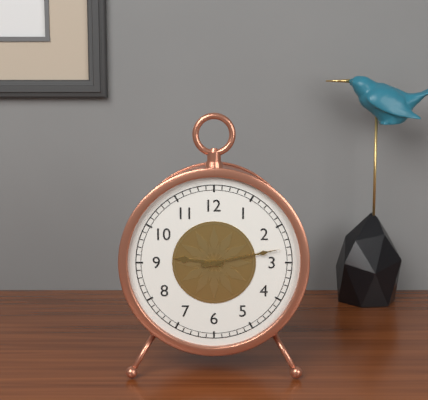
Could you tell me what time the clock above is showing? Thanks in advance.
9:13
